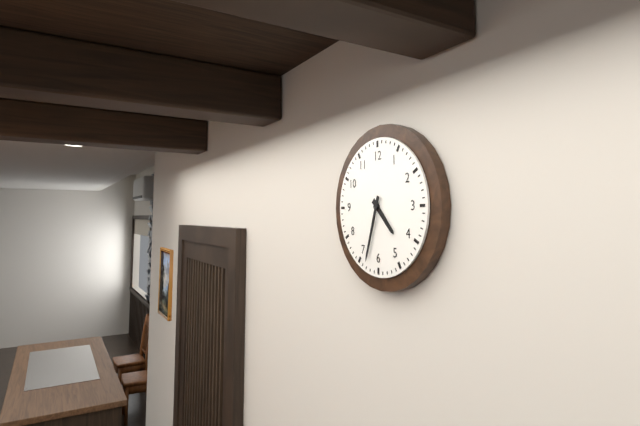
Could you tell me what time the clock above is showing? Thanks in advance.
4:33
